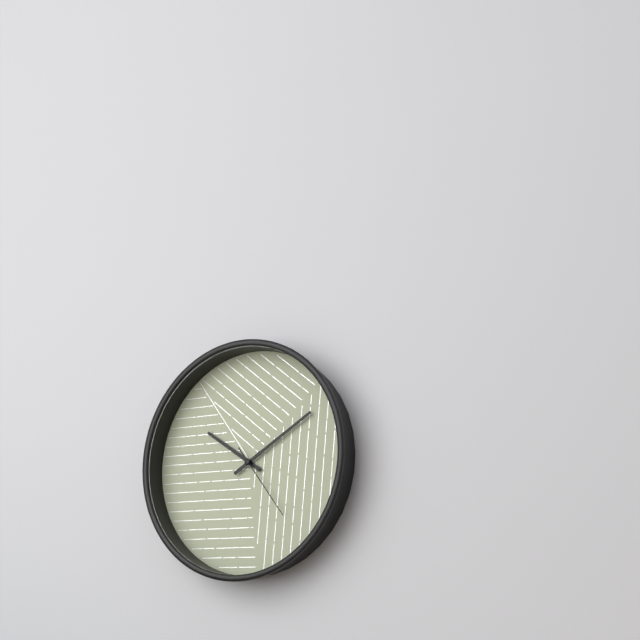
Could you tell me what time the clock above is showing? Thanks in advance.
10:10:24
